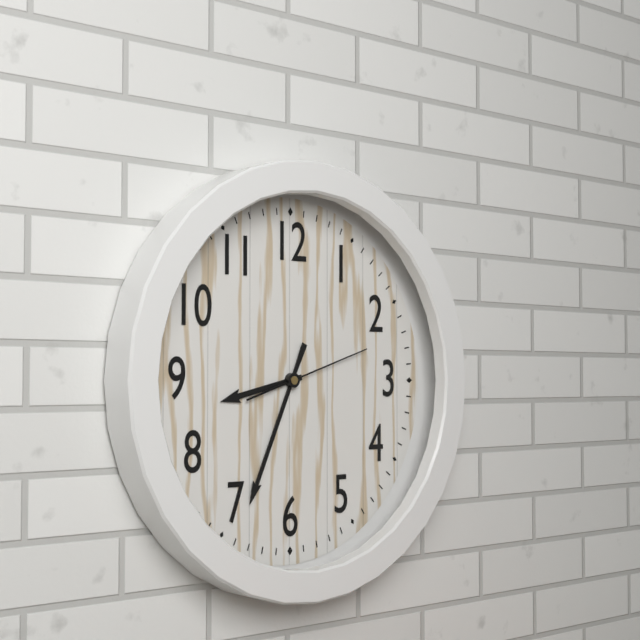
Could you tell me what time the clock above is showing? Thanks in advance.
8:34:12
